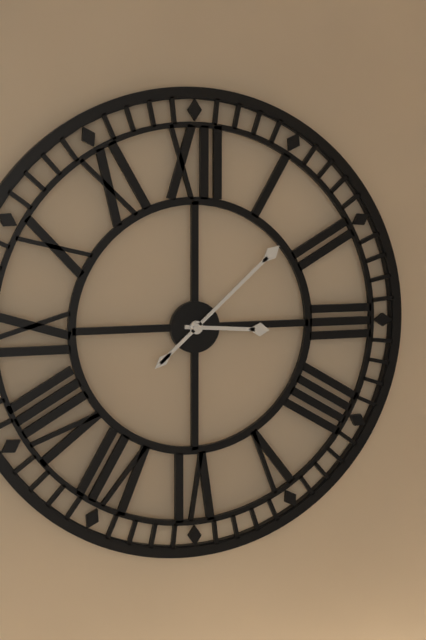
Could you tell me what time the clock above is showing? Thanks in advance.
3:08
